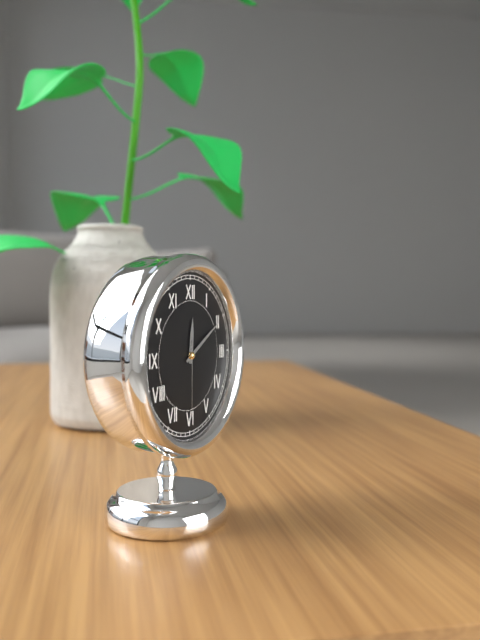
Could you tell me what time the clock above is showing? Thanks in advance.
12:10:30
